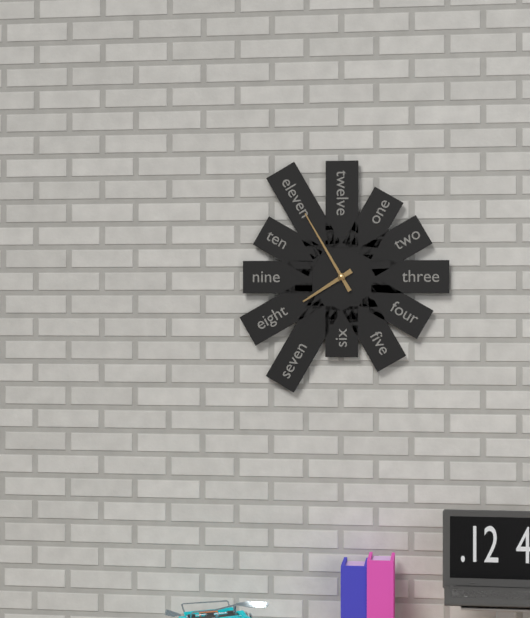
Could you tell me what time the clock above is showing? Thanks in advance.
7:55
